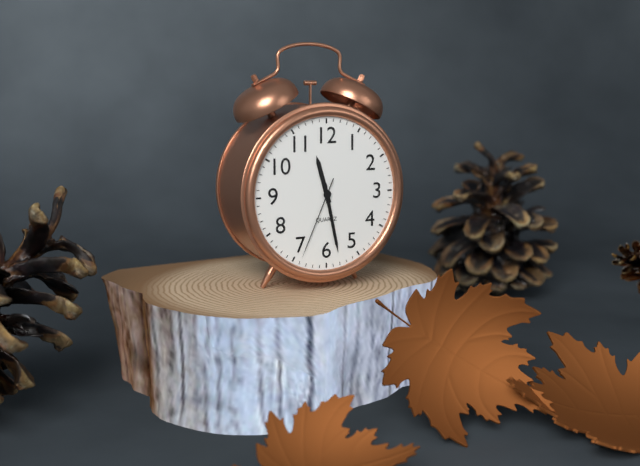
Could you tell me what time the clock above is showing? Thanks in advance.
11:28:34
